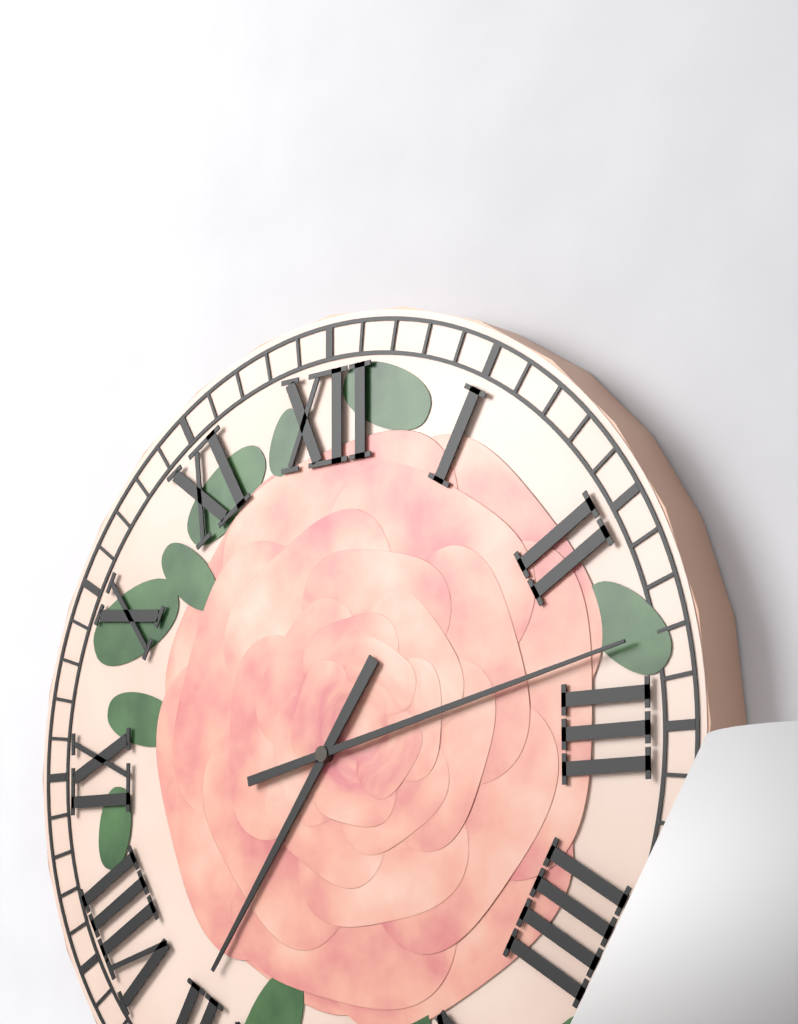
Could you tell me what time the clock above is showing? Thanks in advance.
7:13
